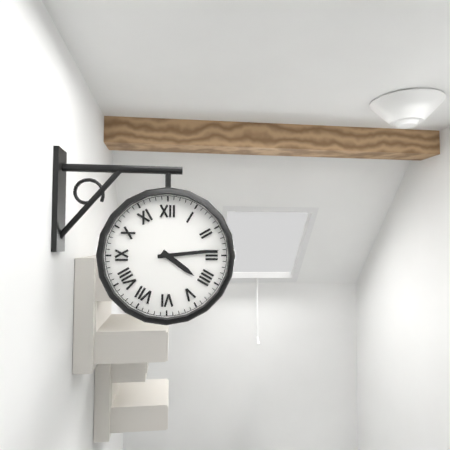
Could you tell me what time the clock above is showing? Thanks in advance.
4:14
